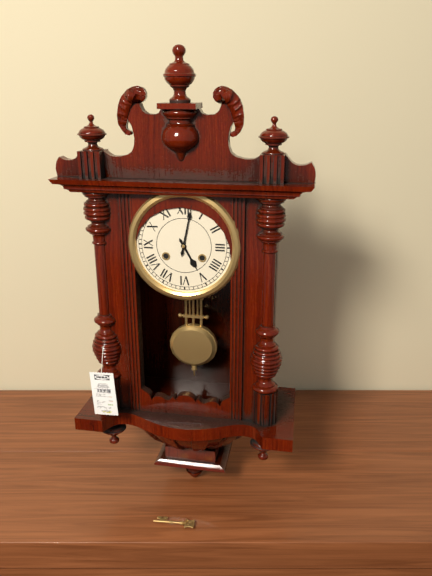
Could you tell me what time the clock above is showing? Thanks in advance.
5:02
